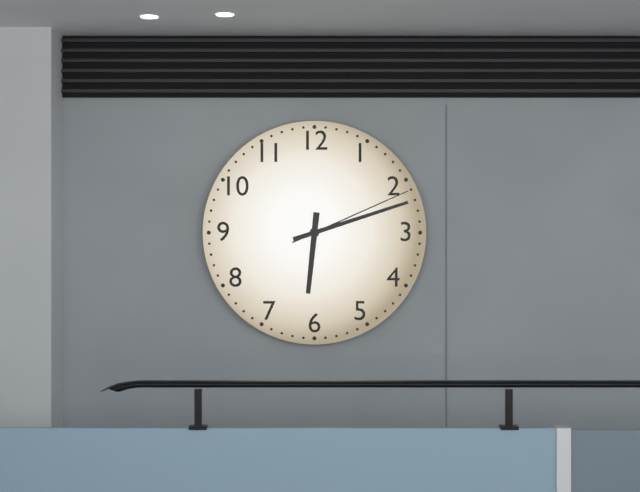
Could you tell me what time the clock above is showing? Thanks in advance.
6:12:11
